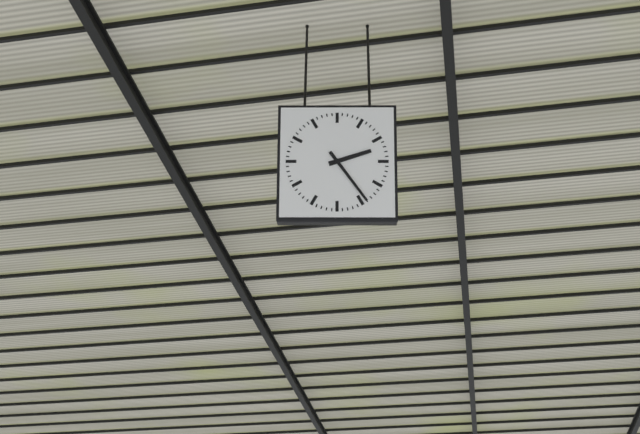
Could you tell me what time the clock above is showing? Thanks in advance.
2:24
